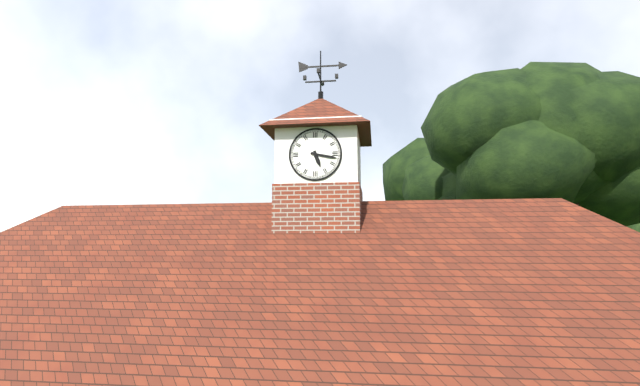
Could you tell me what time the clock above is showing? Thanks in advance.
5:17
